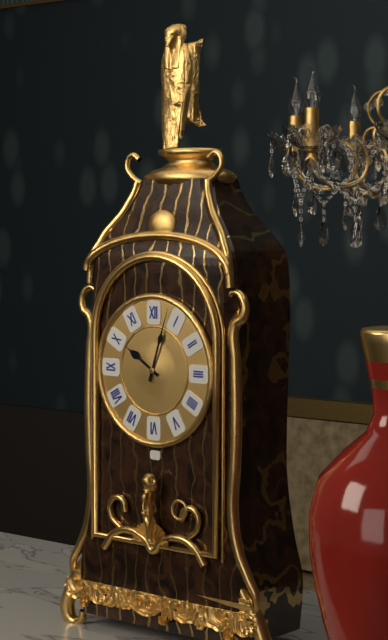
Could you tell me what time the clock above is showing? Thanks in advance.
10:03
